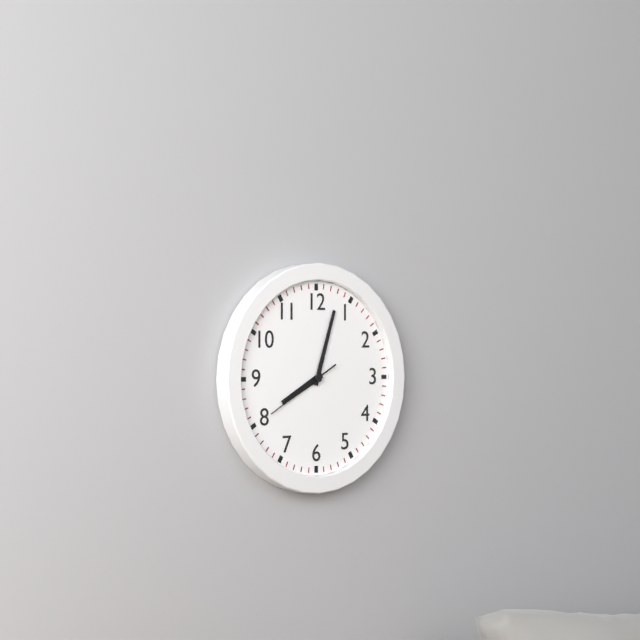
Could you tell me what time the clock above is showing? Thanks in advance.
8:03:40
